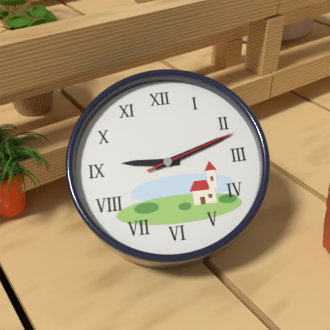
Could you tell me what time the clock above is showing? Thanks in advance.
9:12:12
